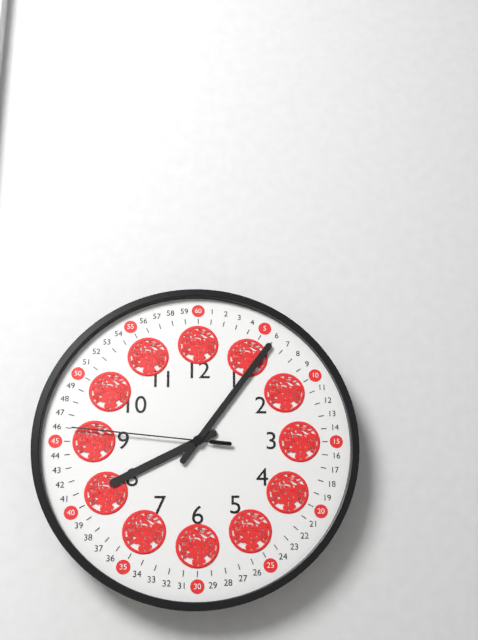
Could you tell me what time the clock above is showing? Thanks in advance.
8:06:46
